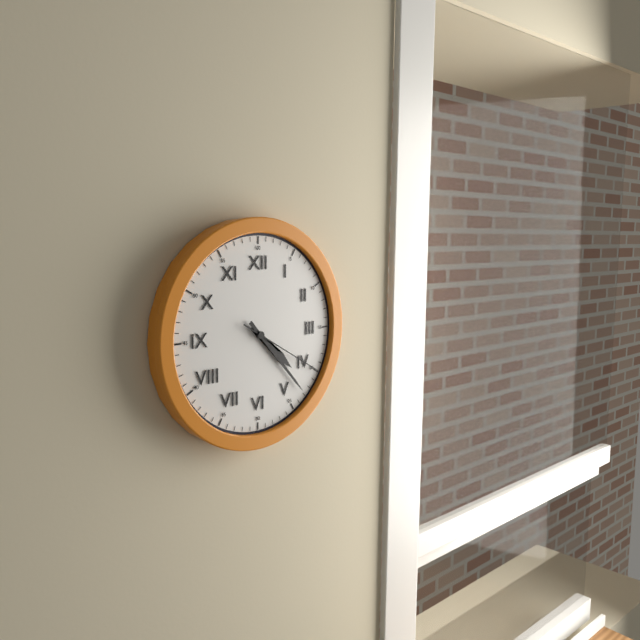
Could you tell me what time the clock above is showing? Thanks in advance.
4:23:20
